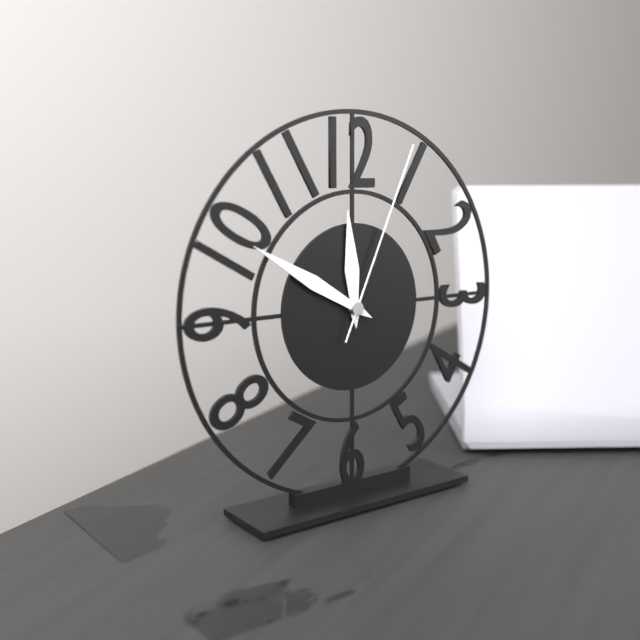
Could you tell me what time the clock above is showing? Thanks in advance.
11:50:04
